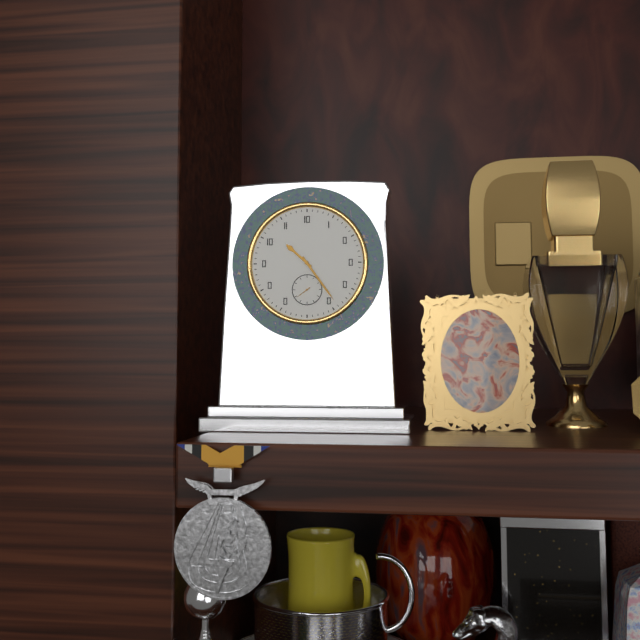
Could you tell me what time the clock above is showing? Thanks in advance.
10:24
